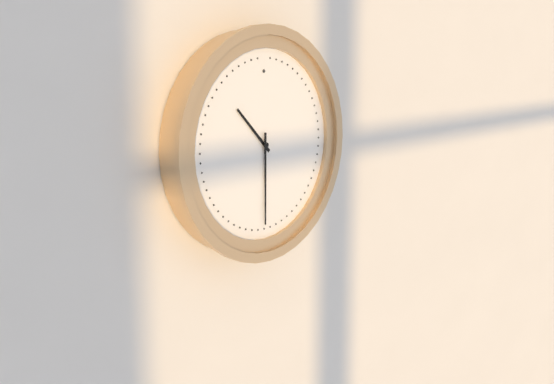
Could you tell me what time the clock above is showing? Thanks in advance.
10:30
